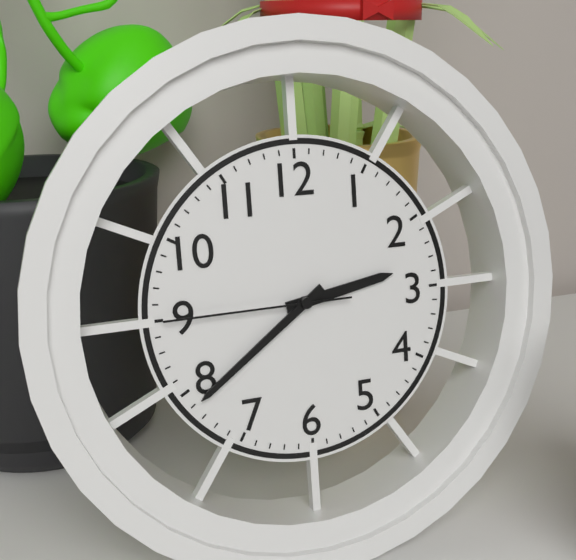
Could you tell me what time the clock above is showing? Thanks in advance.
2:39:45
